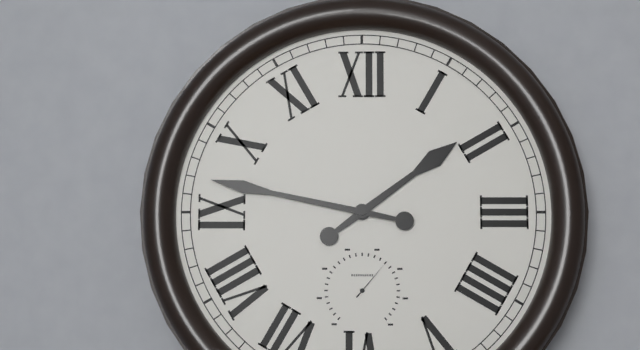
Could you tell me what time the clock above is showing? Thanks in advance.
1:47
